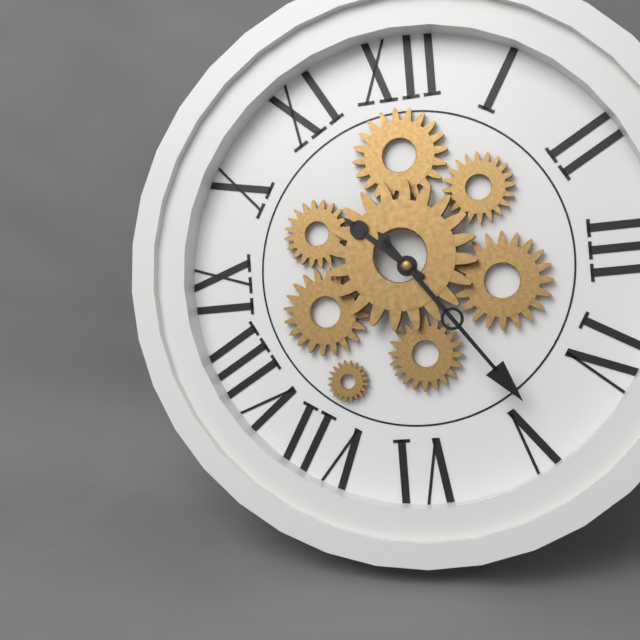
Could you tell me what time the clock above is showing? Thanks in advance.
10:24
